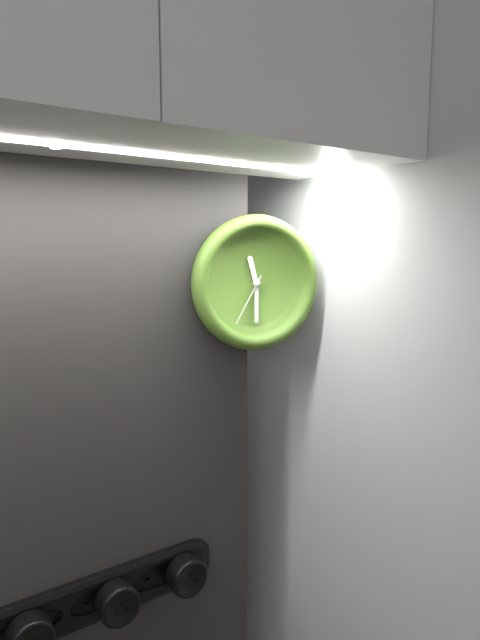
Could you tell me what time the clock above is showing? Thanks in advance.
11:30:35
